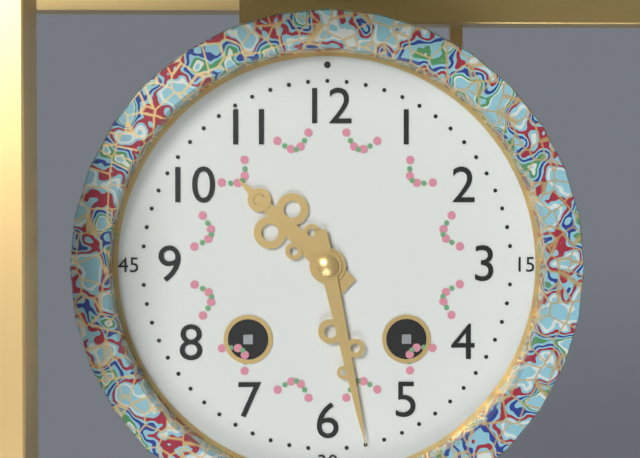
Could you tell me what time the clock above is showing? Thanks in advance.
10:28
